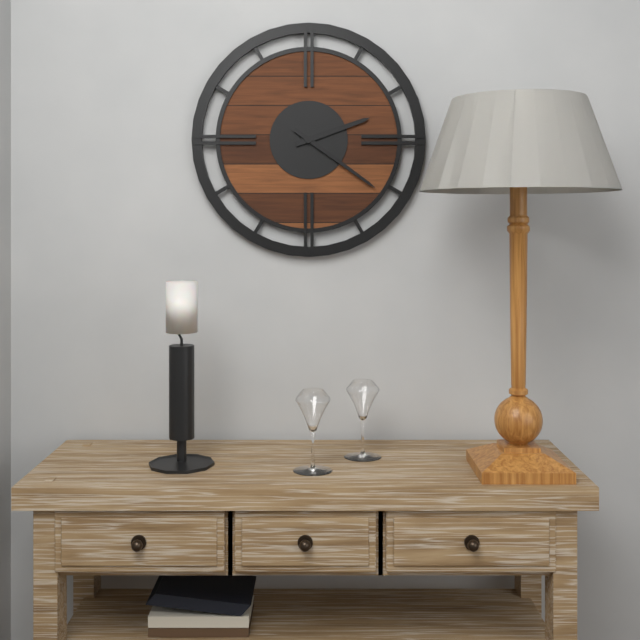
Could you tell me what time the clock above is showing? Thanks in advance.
2:21
